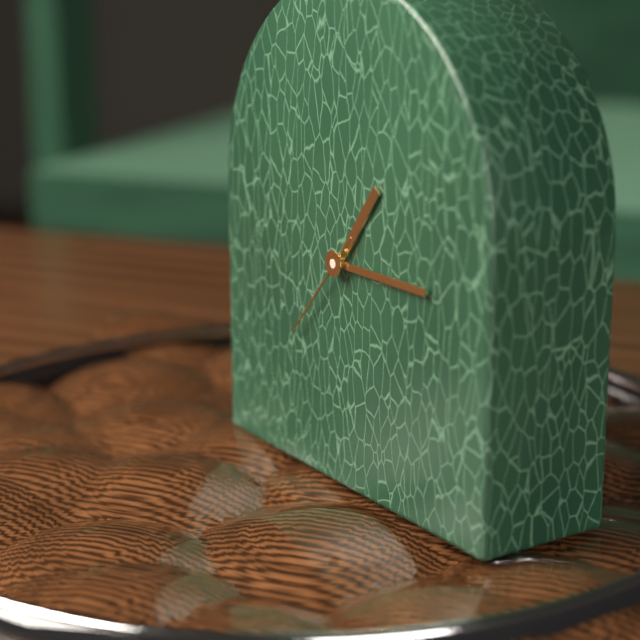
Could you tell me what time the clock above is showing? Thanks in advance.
1:15:37
